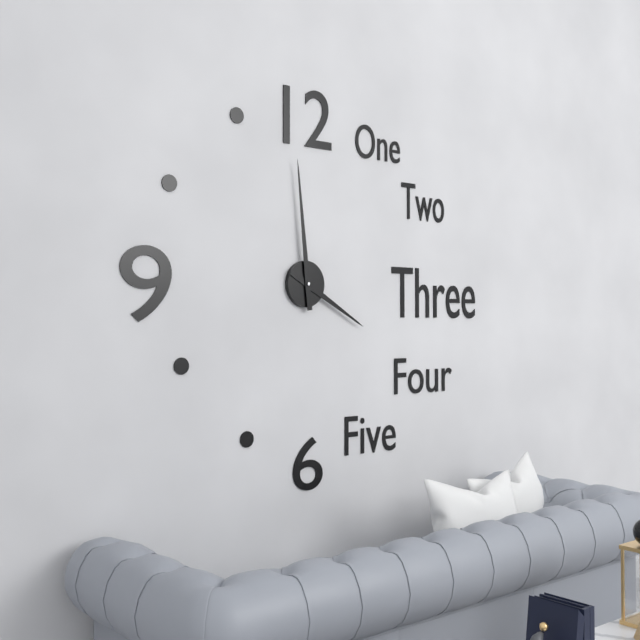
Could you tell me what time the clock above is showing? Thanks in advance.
3:59
